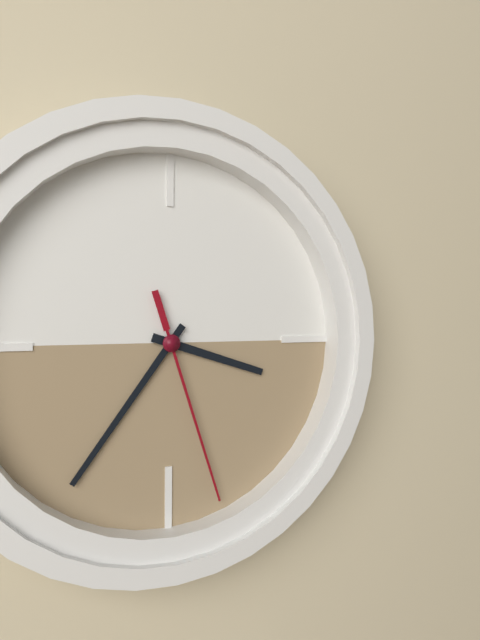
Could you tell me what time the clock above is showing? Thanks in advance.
3:36:27
